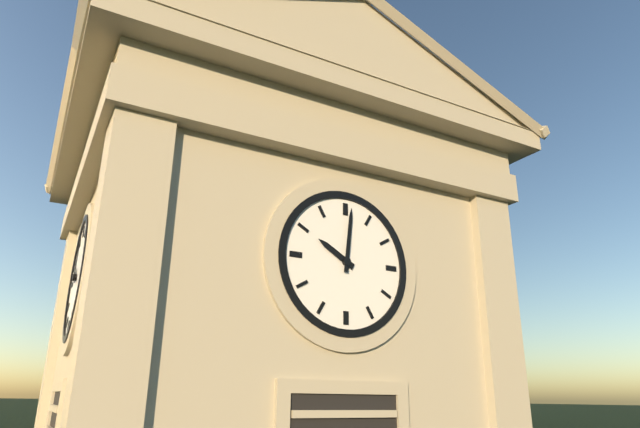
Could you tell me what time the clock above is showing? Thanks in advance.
10:01
